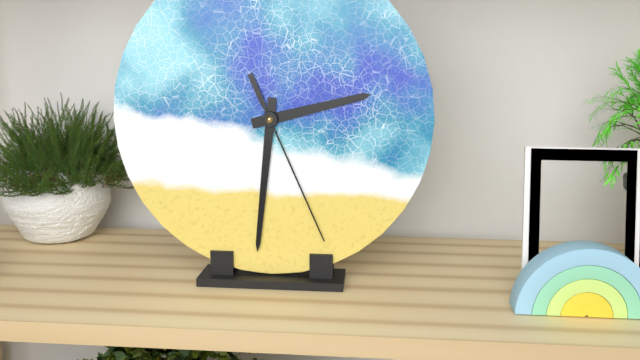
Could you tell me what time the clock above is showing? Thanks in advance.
2:31:26
